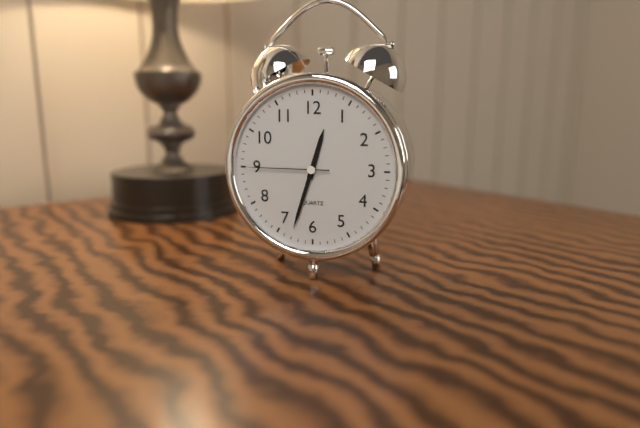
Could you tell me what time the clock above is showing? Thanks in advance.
12:33:45
